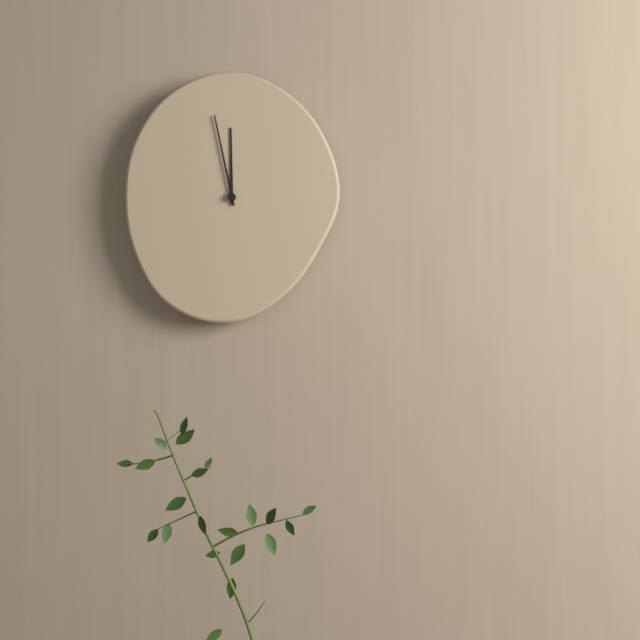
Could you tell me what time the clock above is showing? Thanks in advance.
11:58
